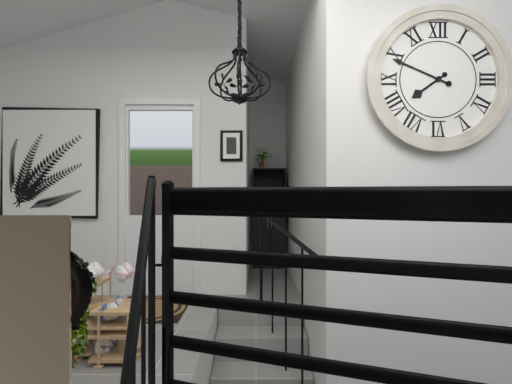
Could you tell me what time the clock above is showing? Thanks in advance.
7:49
